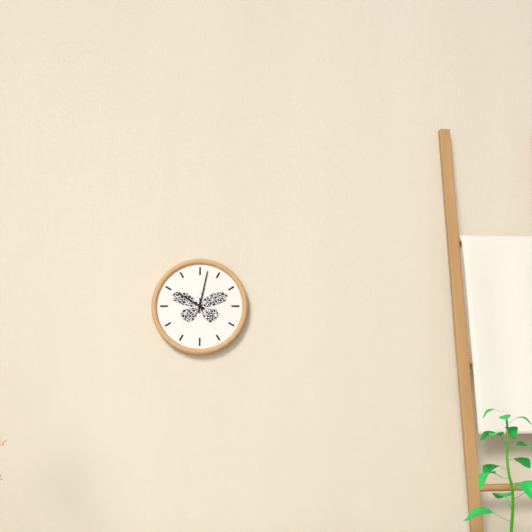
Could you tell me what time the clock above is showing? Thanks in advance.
10:02
